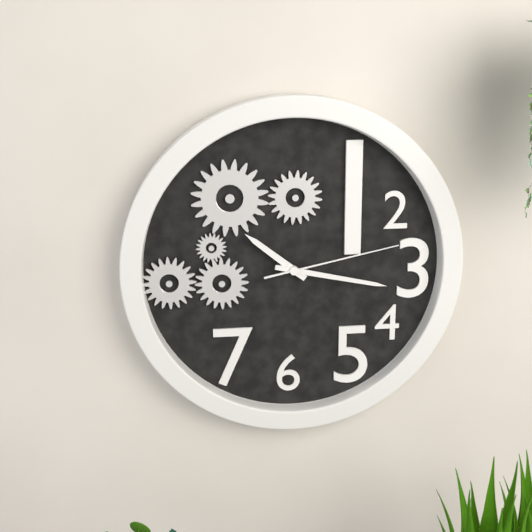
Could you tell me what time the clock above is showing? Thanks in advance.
10:17:13
